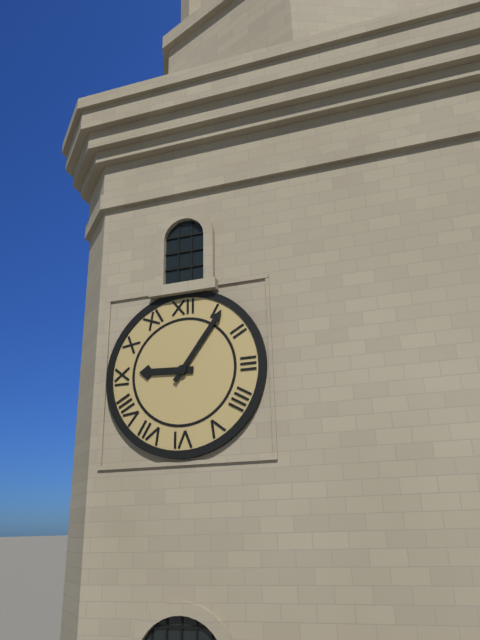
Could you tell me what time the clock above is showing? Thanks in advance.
9:06
